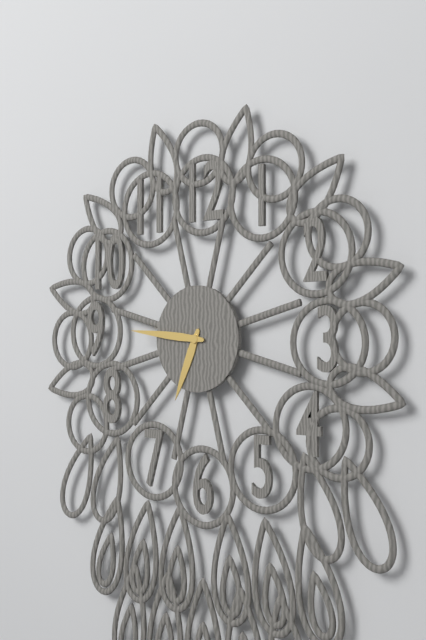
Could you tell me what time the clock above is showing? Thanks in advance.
6:46
